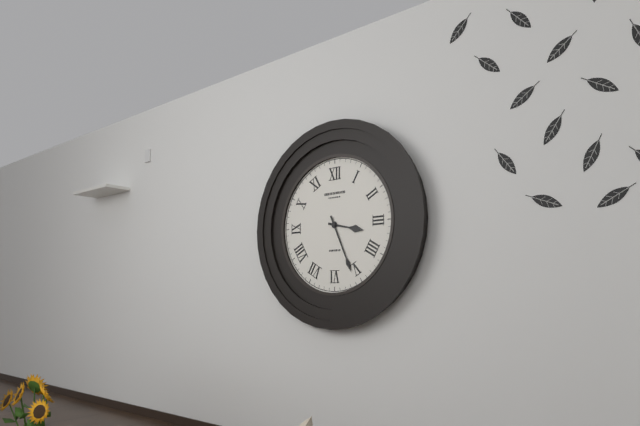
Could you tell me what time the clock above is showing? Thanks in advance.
3:26
